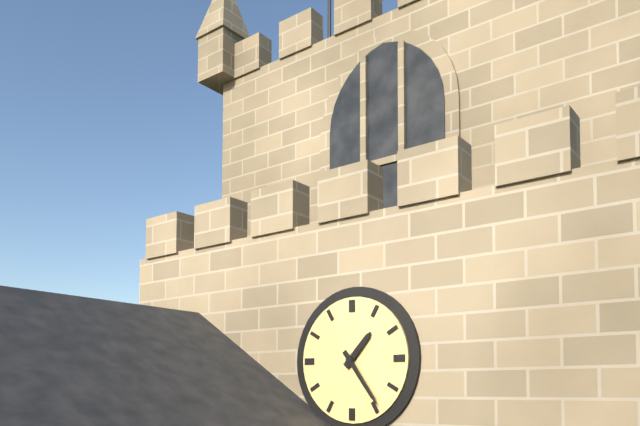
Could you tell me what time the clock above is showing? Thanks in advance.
1:24
